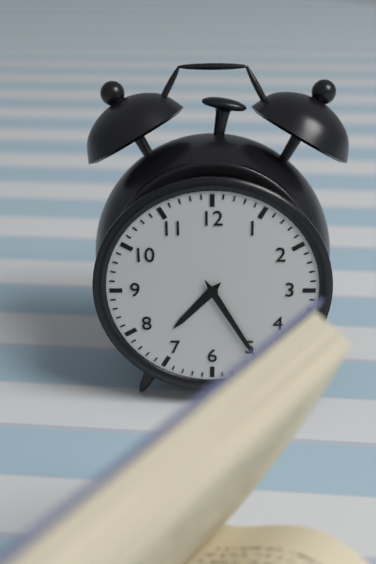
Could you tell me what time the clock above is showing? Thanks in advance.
7:25
